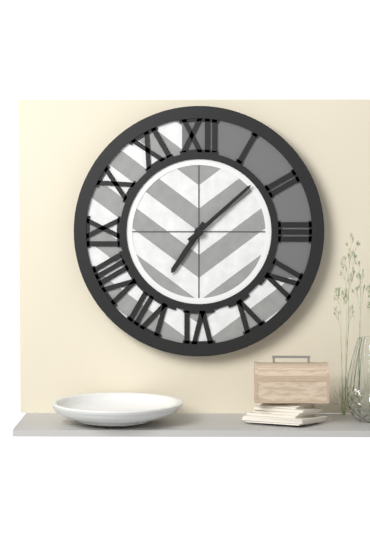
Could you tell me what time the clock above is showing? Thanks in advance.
7:08
